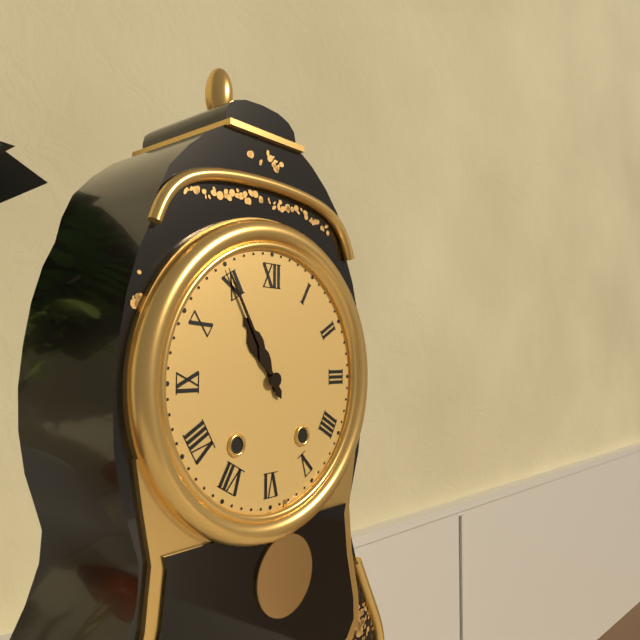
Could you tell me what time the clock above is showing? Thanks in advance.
10:55
